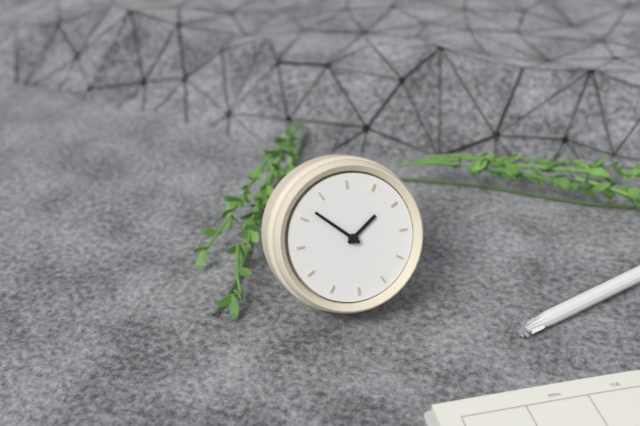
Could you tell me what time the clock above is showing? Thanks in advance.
12:47
